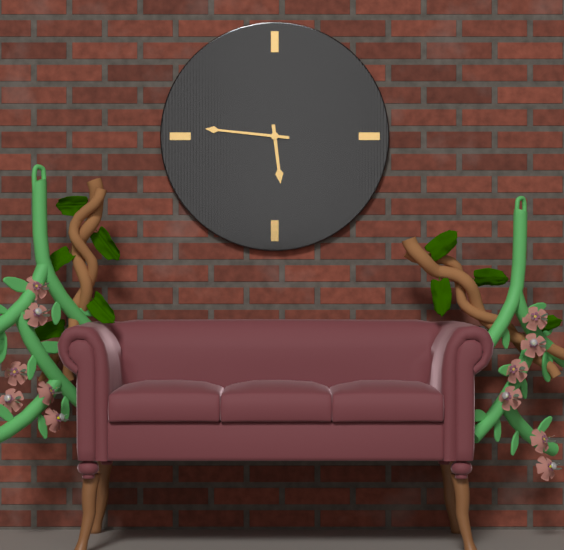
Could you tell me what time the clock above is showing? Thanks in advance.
5:46
